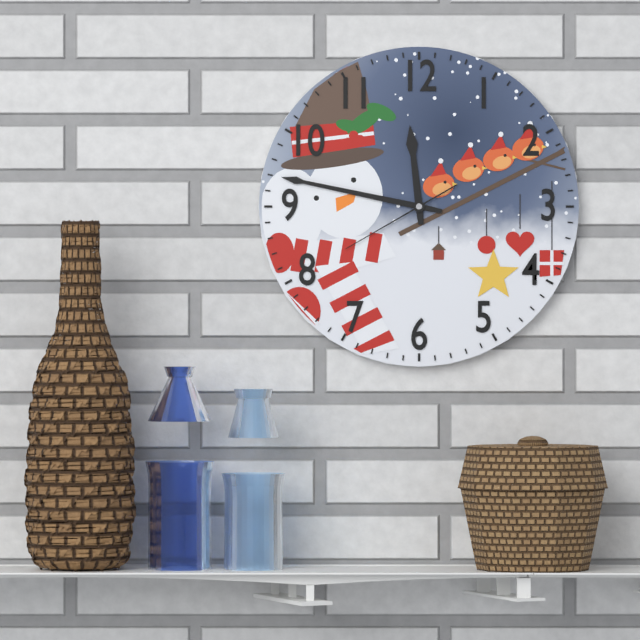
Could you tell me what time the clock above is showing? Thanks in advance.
11:47:40
